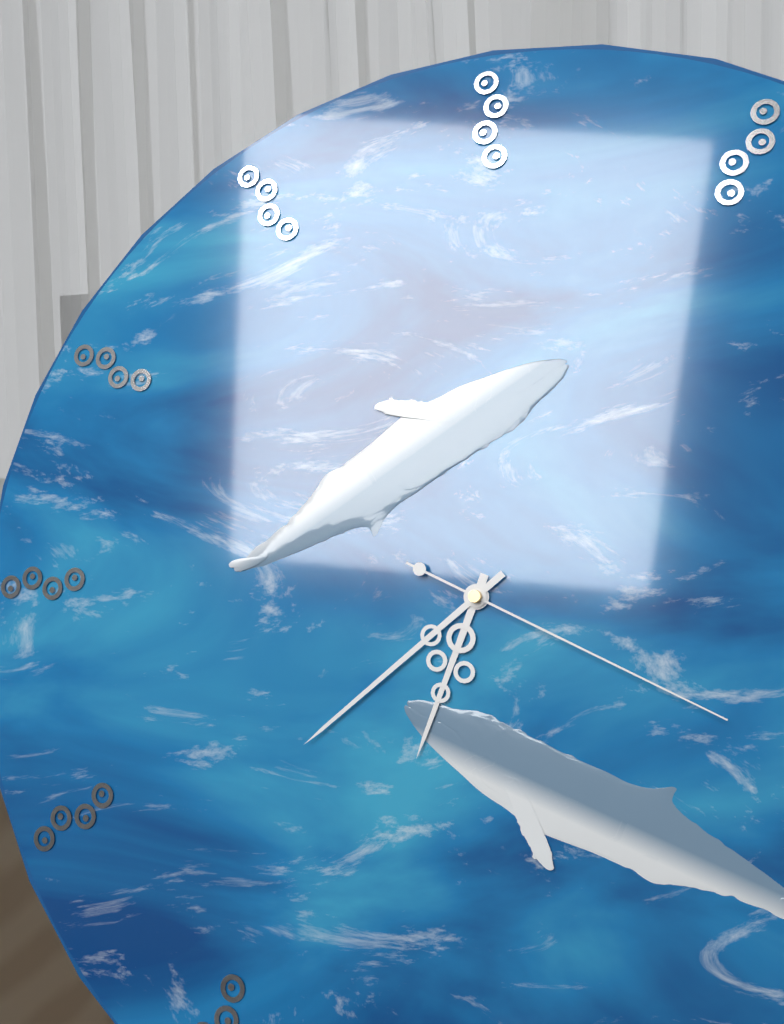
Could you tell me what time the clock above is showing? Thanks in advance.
6:38:19
